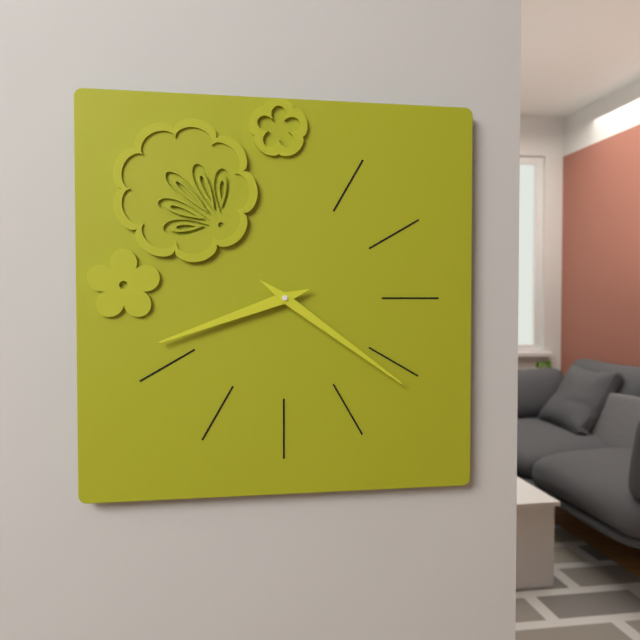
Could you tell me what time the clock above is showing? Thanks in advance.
8:21
